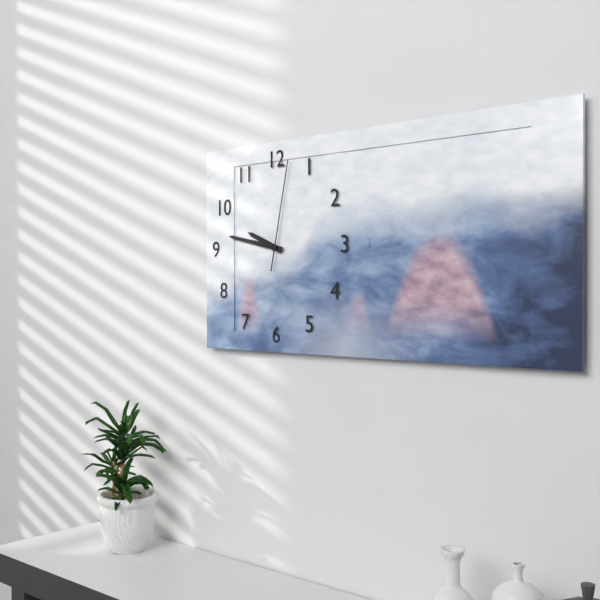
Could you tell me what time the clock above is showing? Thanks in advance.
9:47:02
